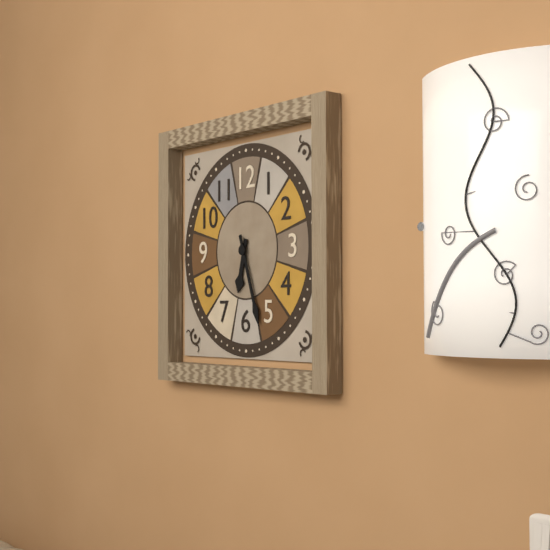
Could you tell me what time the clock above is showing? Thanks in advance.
6:27
